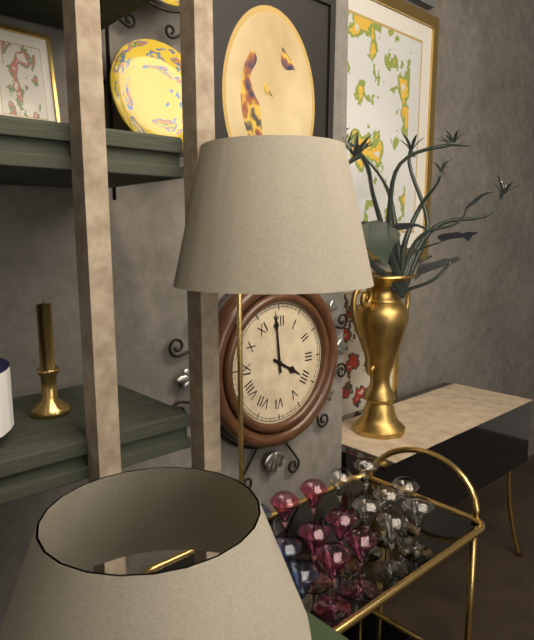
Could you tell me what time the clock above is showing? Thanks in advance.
3:59
